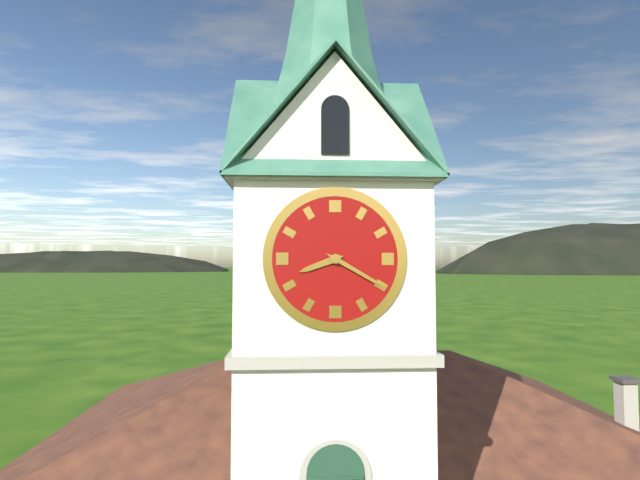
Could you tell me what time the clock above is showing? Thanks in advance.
8:20
